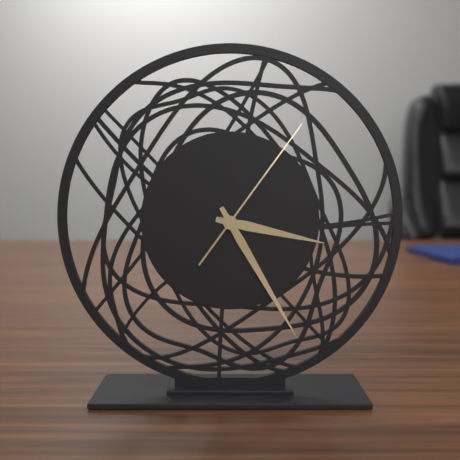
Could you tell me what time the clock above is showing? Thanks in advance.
3:25:06
